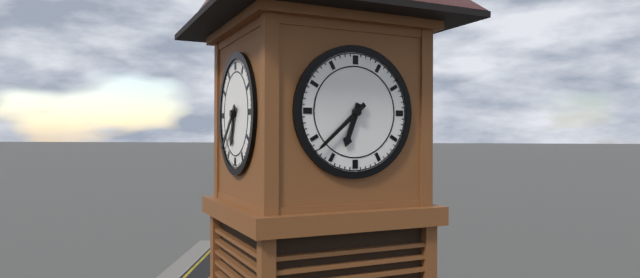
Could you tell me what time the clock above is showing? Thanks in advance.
6:38
